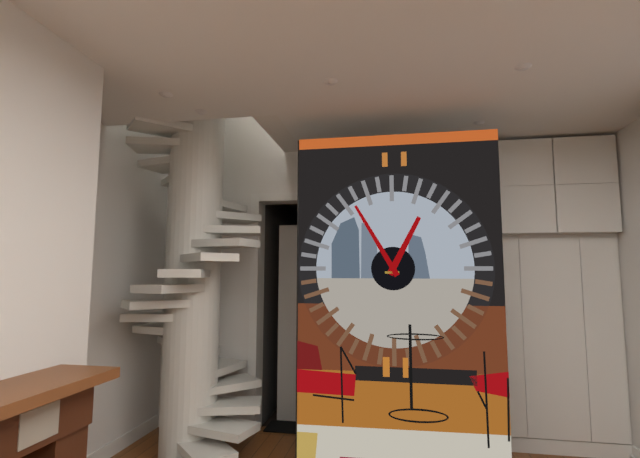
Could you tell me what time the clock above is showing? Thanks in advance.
12:55
